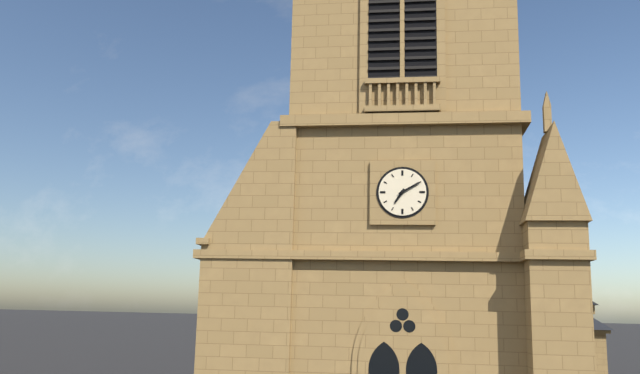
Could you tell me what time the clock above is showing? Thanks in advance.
7:10
